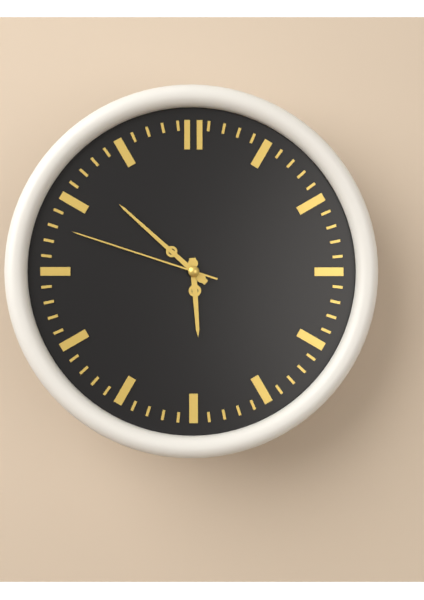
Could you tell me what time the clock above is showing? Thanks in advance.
5:52:48
